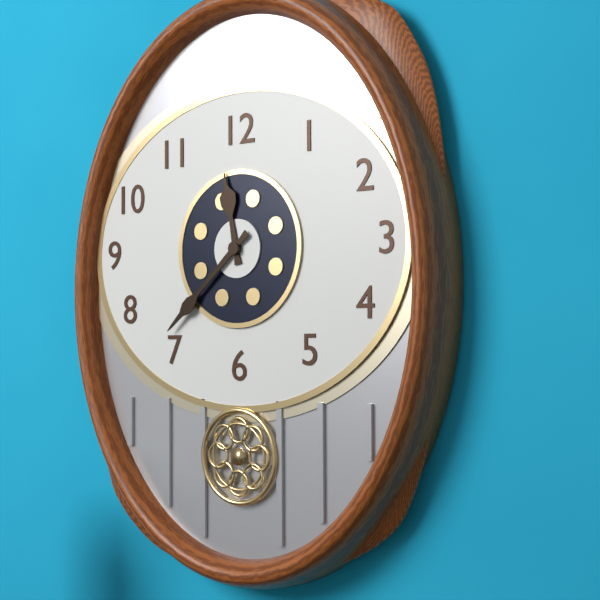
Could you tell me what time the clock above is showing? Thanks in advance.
11:38
